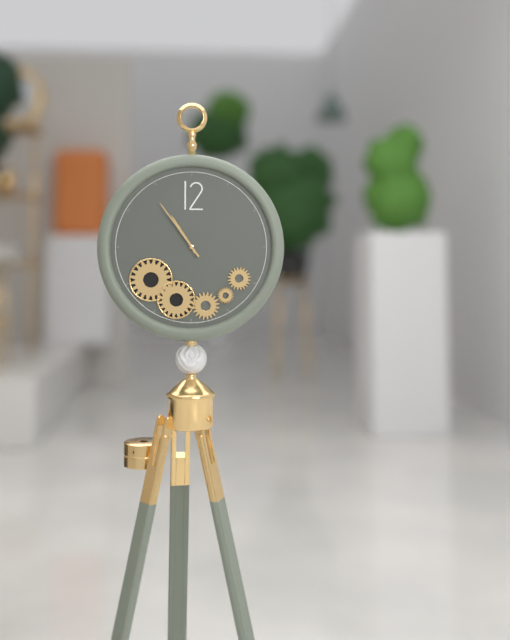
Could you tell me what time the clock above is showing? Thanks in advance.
10:54
